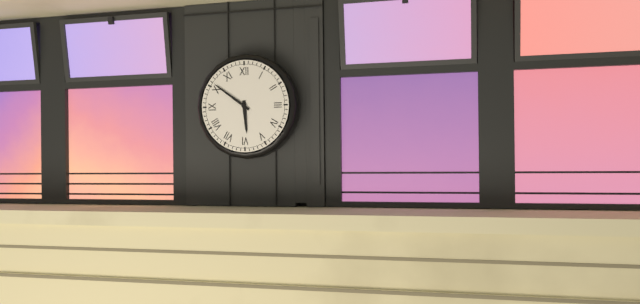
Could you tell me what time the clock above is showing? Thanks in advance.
5:51
